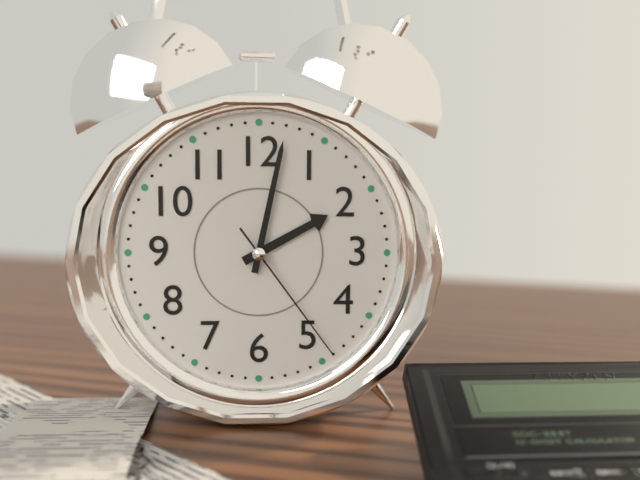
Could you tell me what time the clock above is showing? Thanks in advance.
2:02:24
